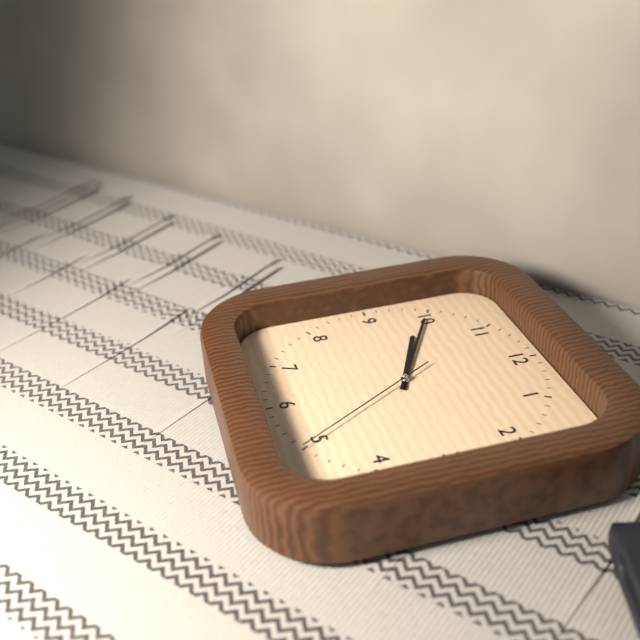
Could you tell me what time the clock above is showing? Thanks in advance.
9:50:25
